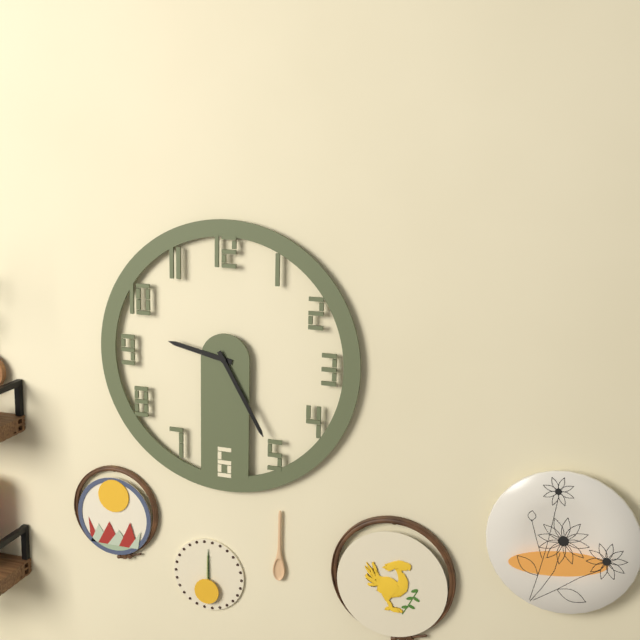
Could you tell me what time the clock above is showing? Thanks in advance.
9:25
